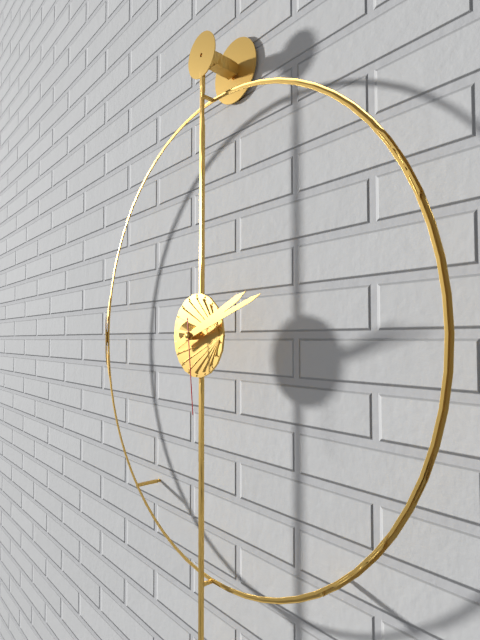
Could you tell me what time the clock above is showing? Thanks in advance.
2:12:29
